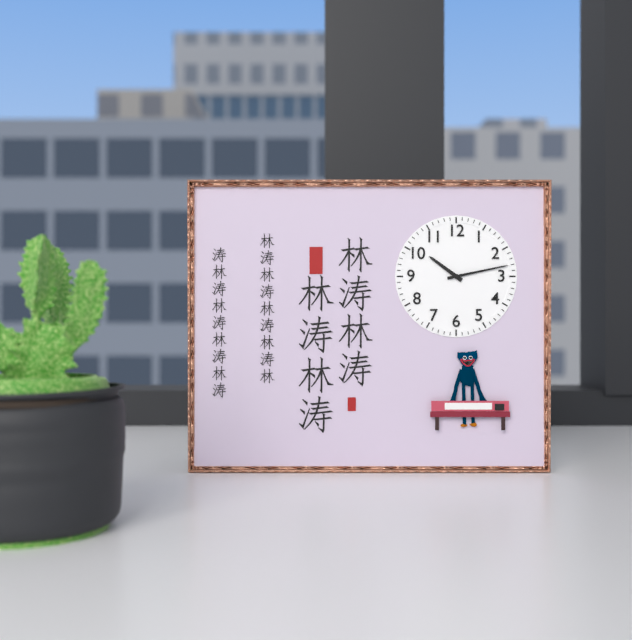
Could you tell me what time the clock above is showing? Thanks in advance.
10:13
